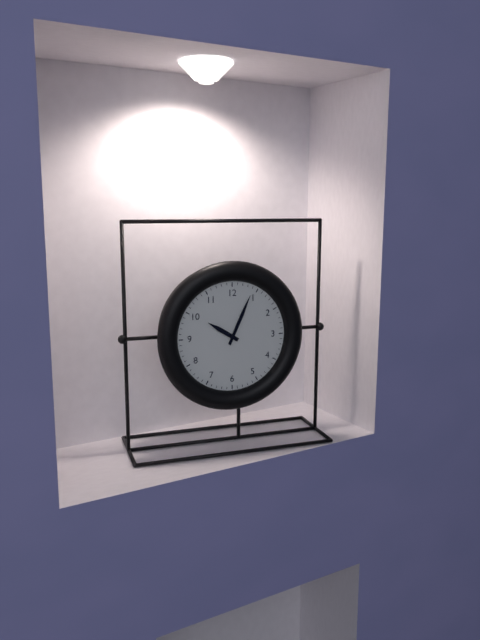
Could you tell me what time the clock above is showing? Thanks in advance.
10:04
